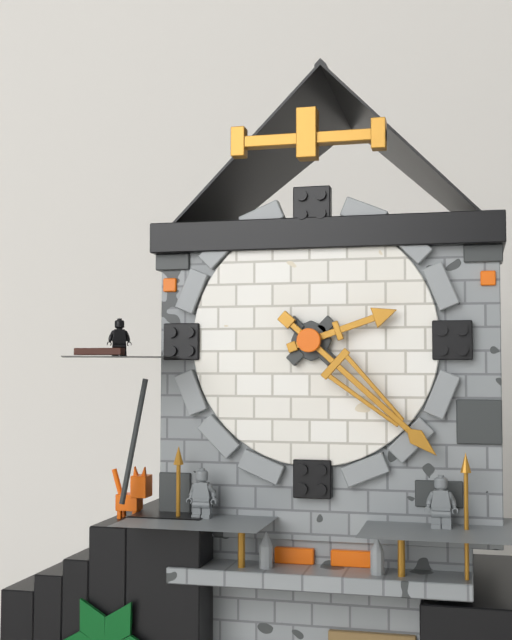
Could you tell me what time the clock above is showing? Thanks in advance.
2:22
